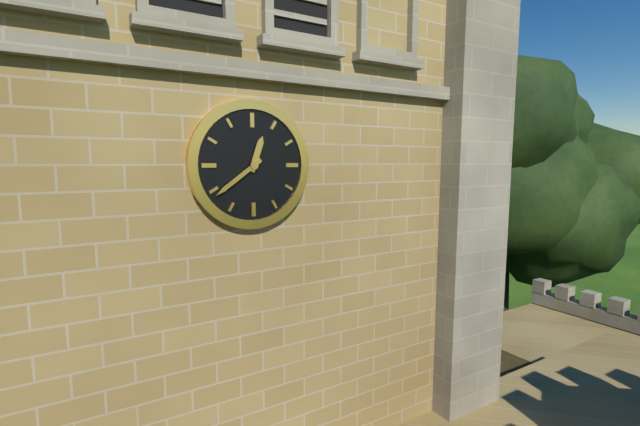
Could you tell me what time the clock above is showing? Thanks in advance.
12:39
